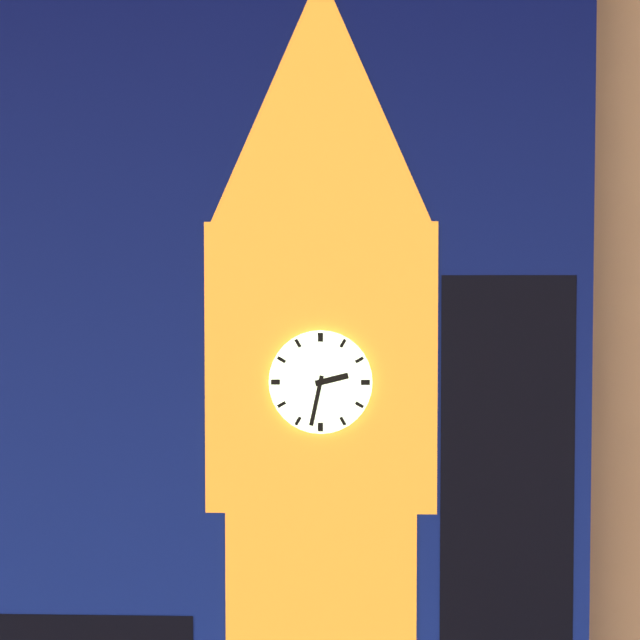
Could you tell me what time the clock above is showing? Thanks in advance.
2:32
